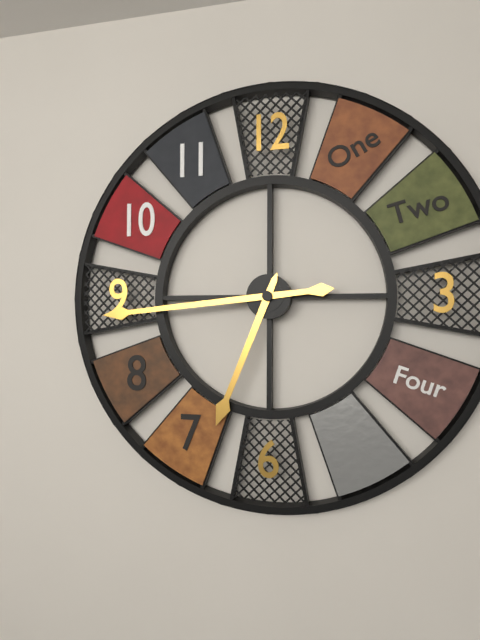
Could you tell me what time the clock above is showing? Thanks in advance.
6:44
